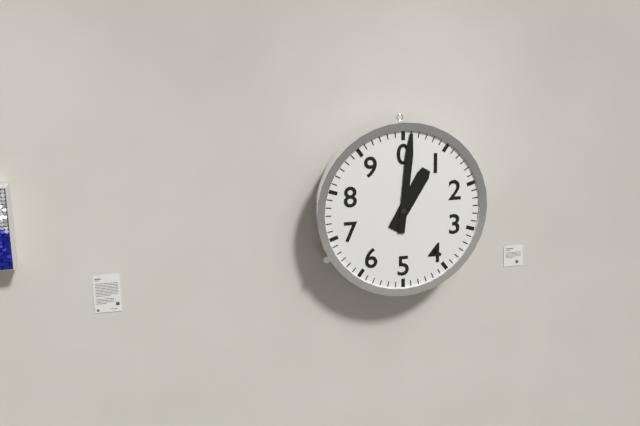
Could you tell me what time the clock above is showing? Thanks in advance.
1:01
